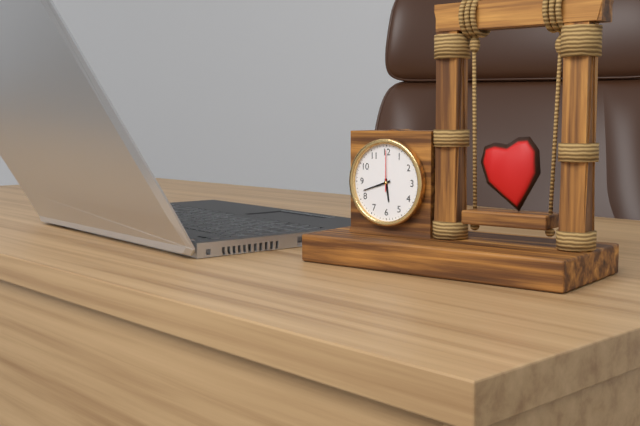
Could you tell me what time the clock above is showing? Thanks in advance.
5:42
